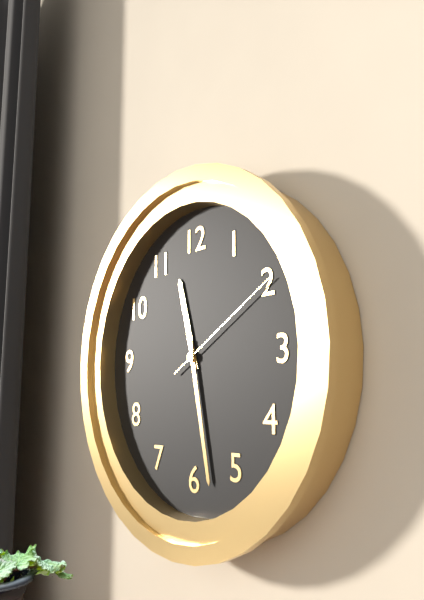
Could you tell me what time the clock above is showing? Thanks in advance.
11:28:10
